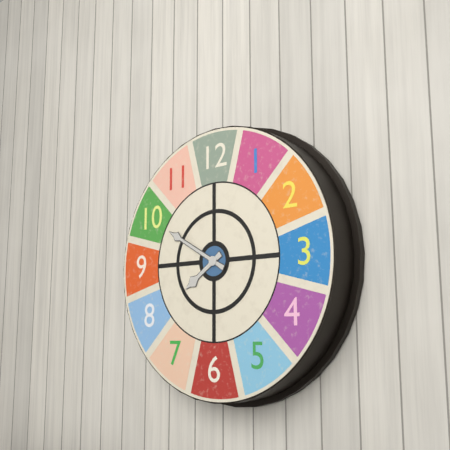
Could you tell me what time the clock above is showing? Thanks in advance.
7:50
